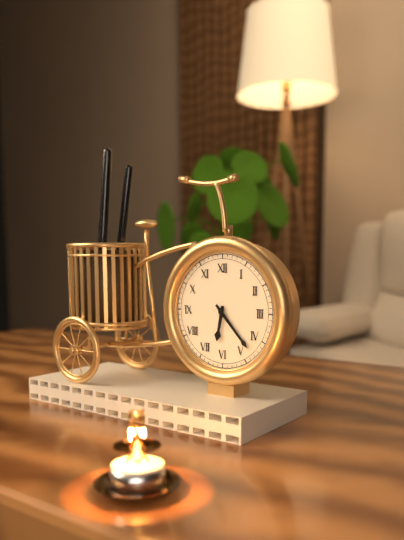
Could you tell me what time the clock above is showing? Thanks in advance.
6:23
